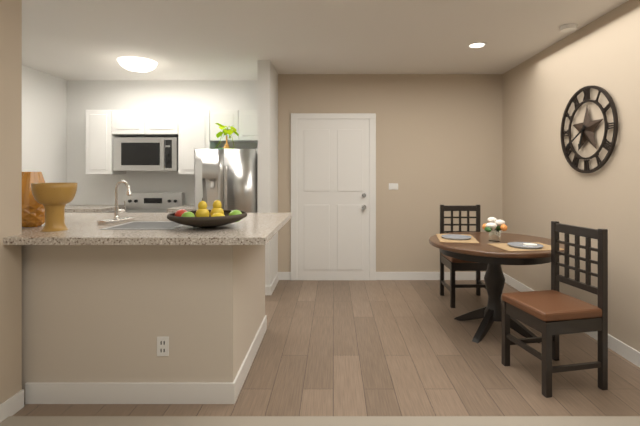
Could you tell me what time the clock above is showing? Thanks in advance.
6:40
